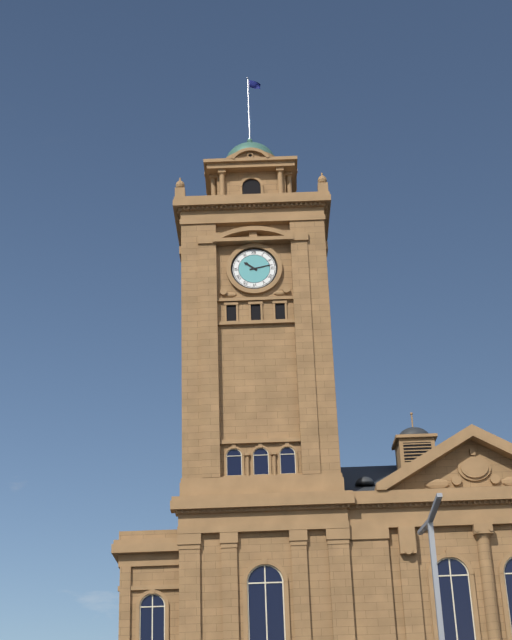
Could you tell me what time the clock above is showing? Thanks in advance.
10:13
